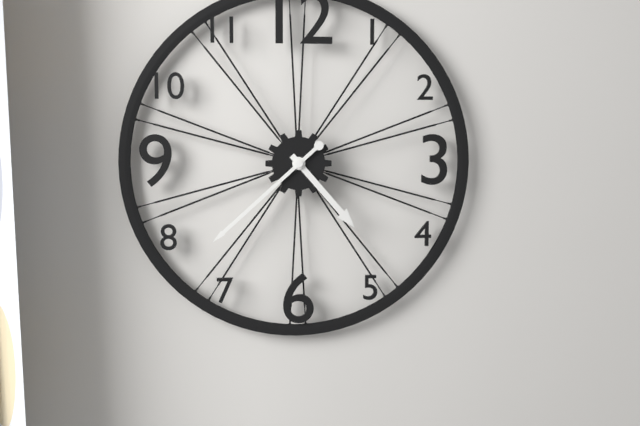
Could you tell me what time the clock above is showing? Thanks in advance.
4:38
